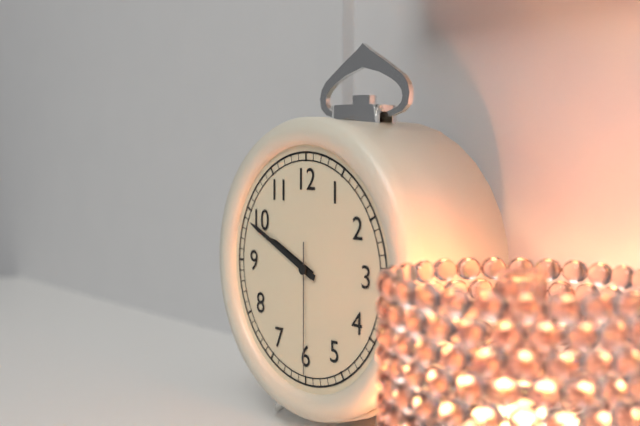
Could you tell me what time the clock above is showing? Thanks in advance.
9:49:30
